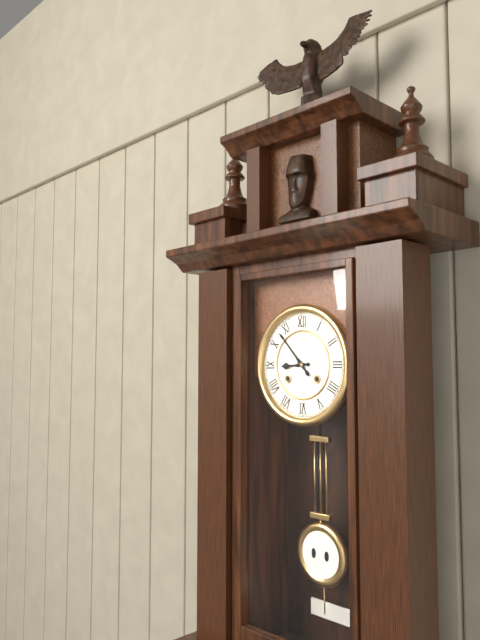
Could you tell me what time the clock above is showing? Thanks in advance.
8:53
